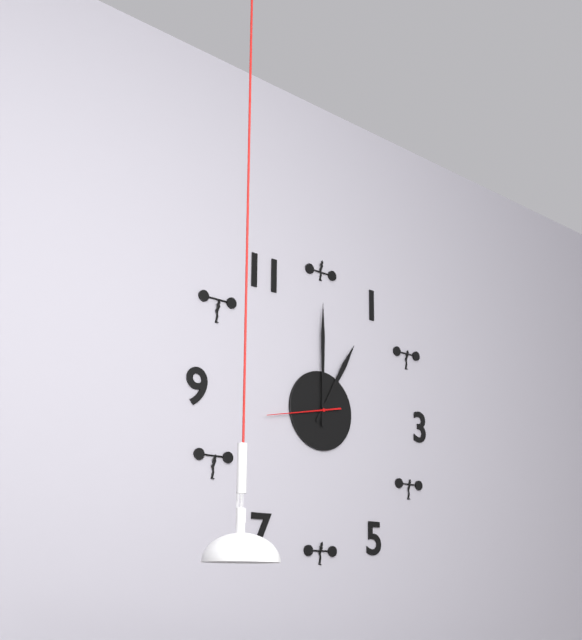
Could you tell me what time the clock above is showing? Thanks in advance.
1:00:43
